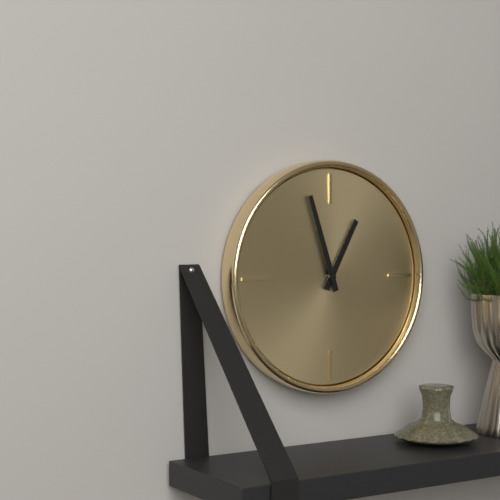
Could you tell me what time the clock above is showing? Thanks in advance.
12:57
